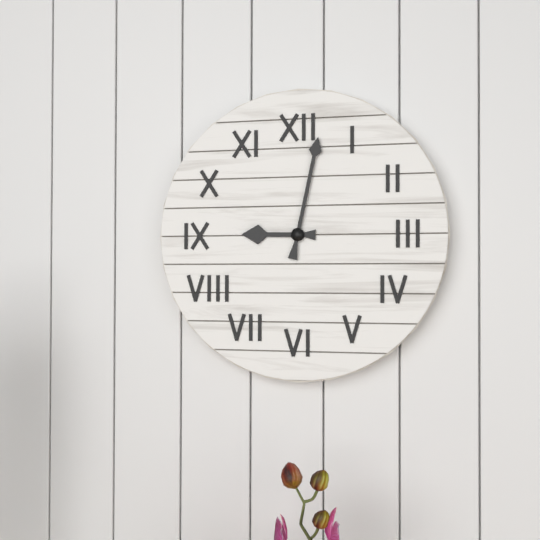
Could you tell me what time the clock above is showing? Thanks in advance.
9:02
